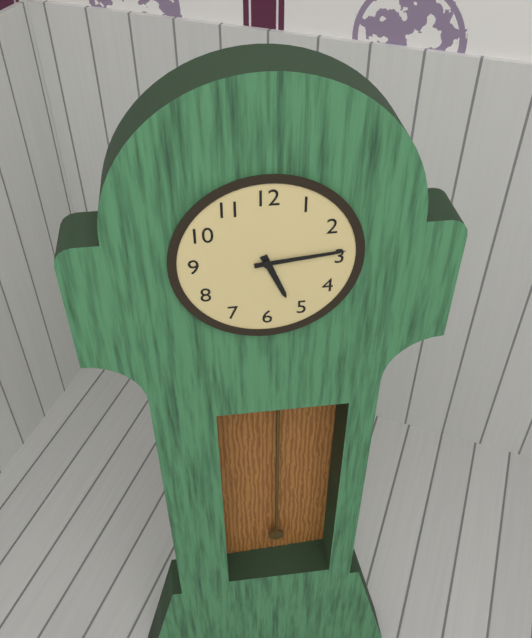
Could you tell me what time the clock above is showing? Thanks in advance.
5:14
